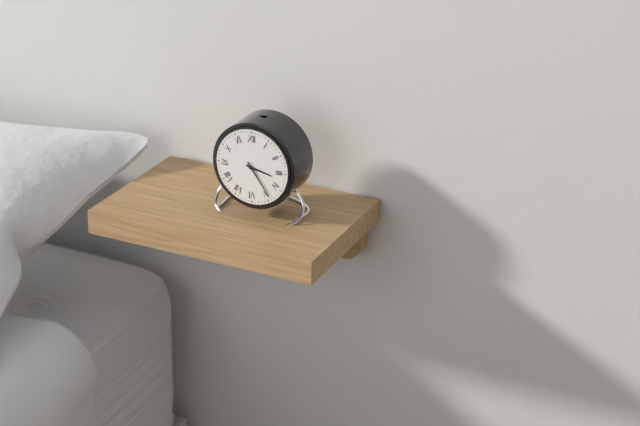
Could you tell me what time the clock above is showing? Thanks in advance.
3:24
